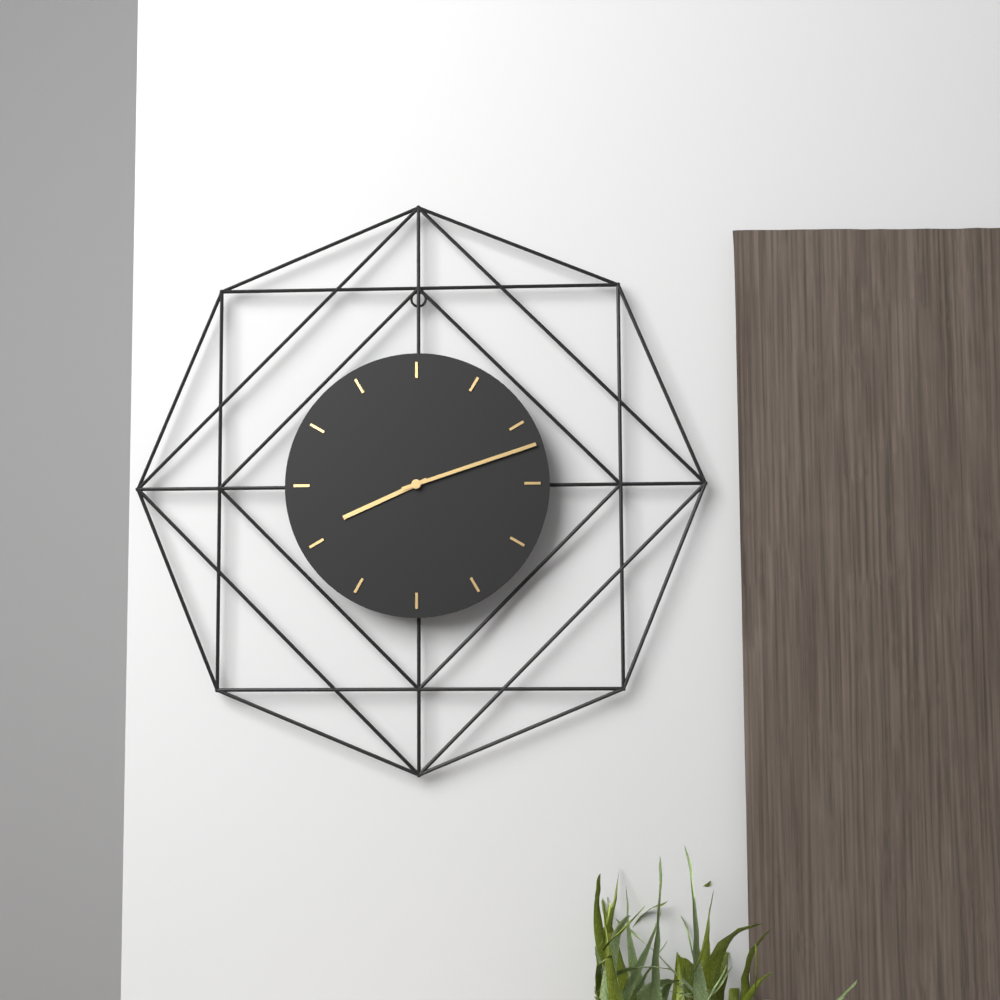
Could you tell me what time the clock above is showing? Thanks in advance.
8:12
